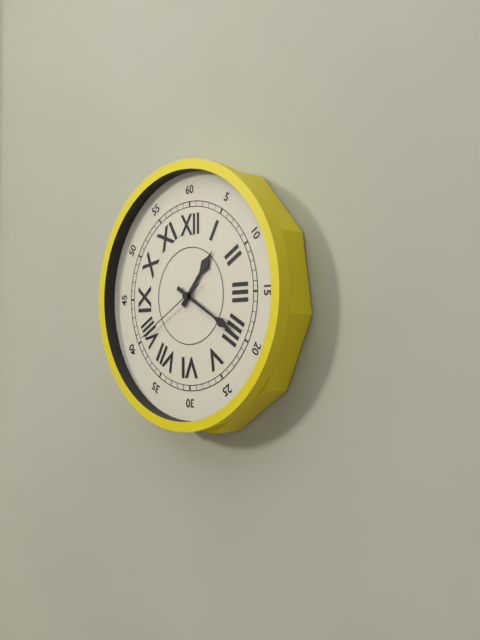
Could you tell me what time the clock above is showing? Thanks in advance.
1:20:40
